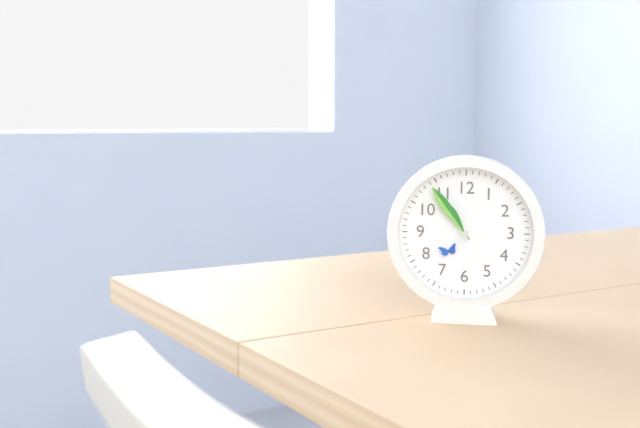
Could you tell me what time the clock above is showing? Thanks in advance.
10:54
